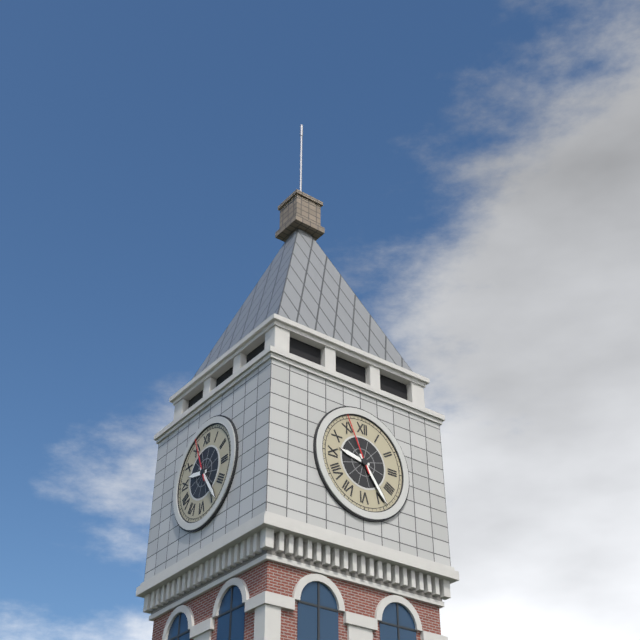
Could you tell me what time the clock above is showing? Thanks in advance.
9:24:56
